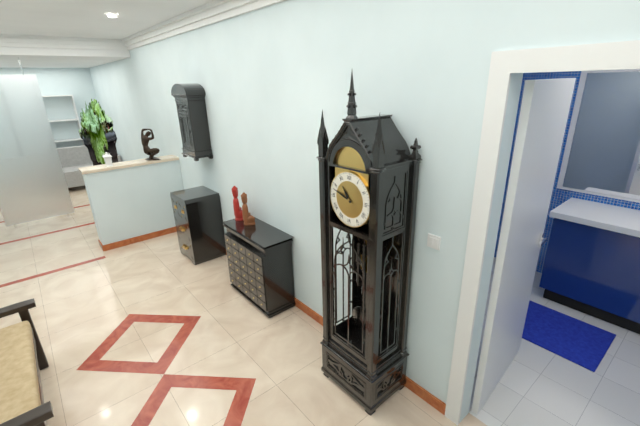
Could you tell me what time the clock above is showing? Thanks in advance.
10:48
